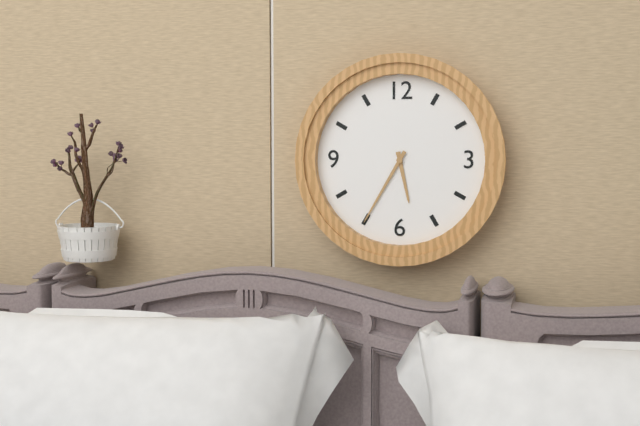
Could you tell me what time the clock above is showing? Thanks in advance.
5:35
